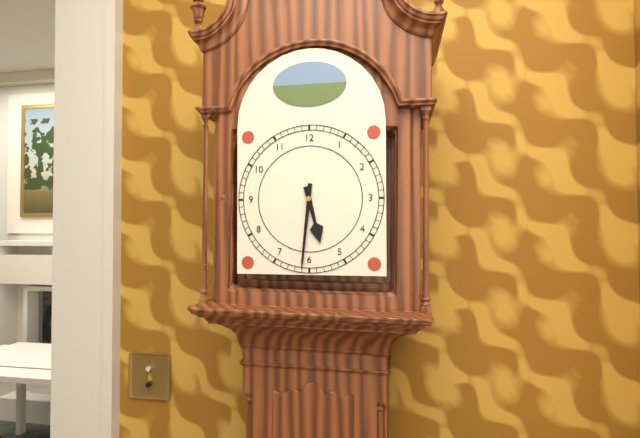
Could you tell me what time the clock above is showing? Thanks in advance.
5:31
